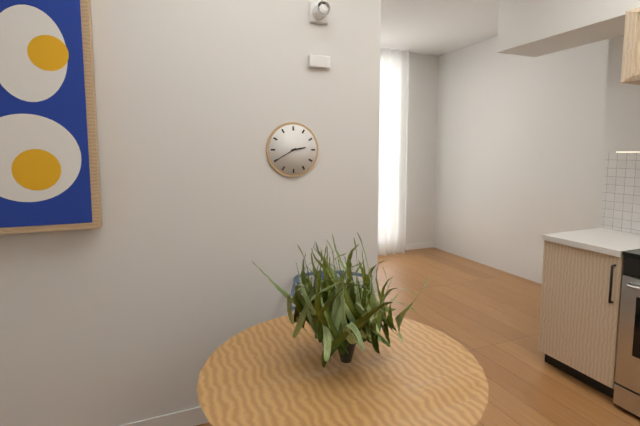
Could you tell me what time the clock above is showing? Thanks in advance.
2:40
